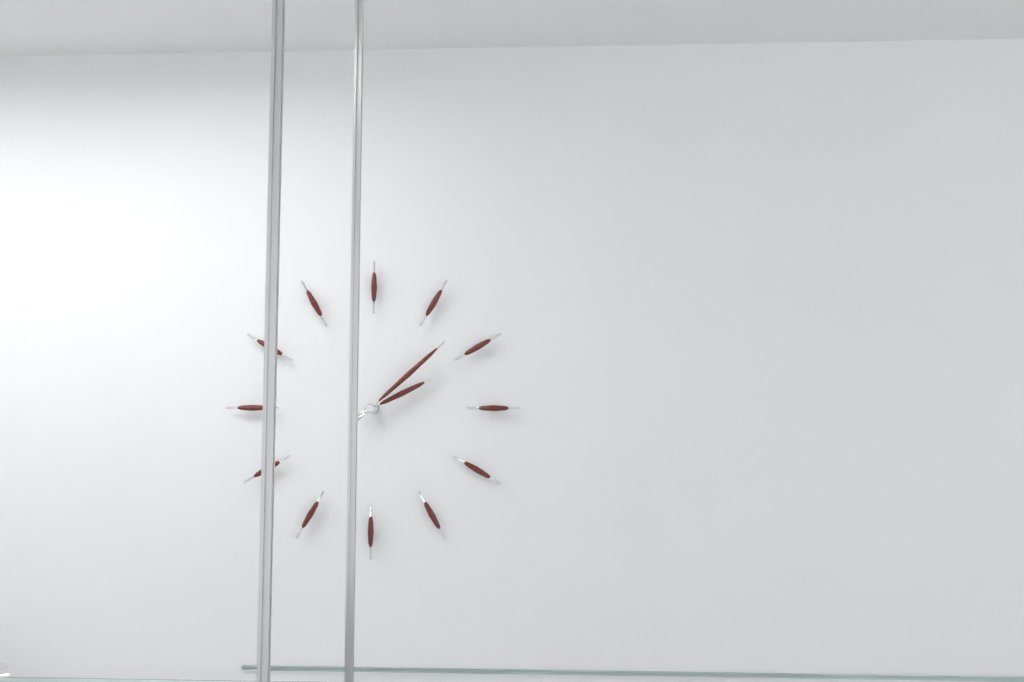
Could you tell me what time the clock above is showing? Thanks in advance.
2:08
